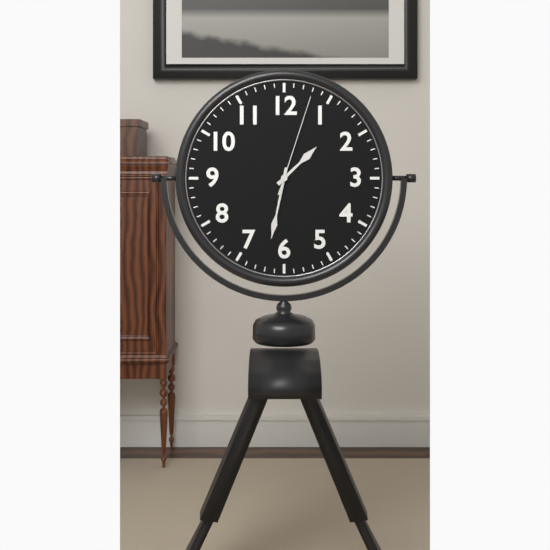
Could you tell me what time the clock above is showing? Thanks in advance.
1:32:03
